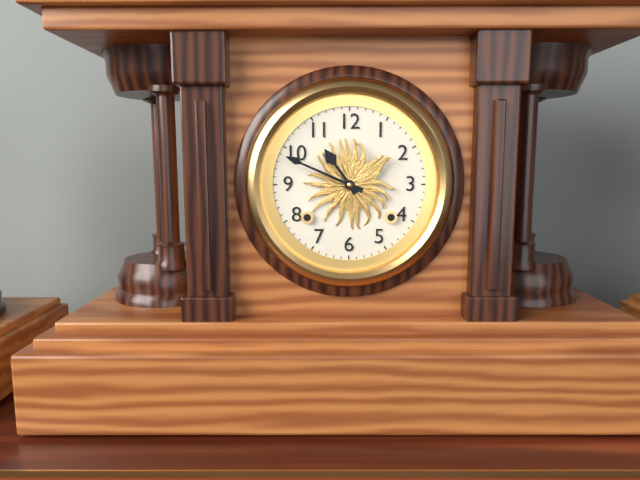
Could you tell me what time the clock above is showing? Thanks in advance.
10:49
